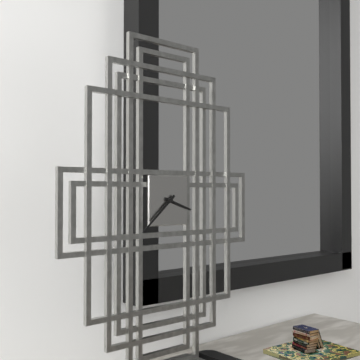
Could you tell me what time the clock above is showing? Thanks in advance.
3:38
